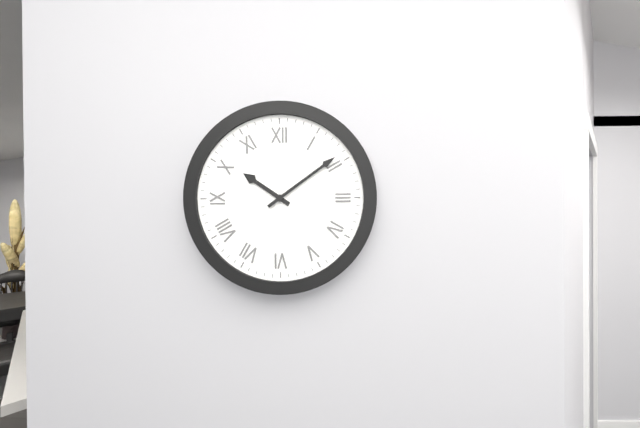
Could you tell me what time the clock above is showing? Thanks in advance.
10:09
